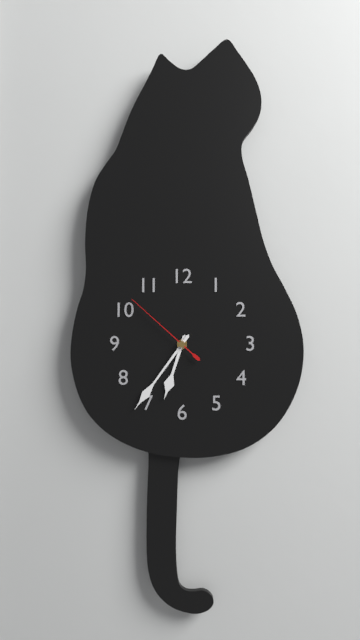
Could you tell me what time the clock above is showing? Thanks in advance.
6:36:52
